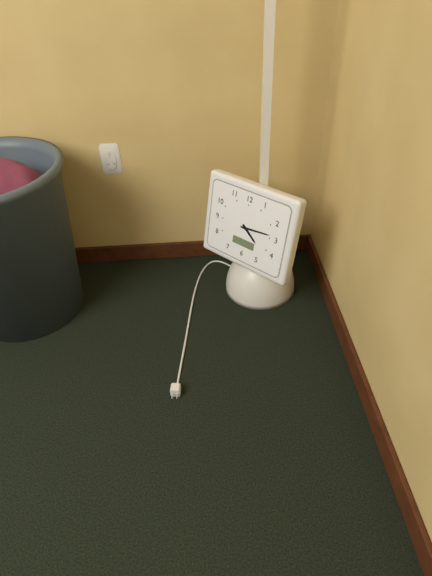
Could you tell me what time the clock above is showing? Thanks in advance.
4:14
